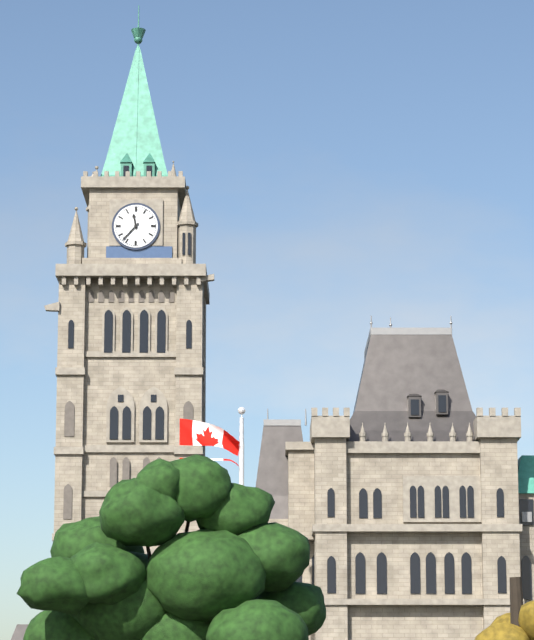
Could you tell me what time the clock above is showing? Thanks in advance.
11:37
